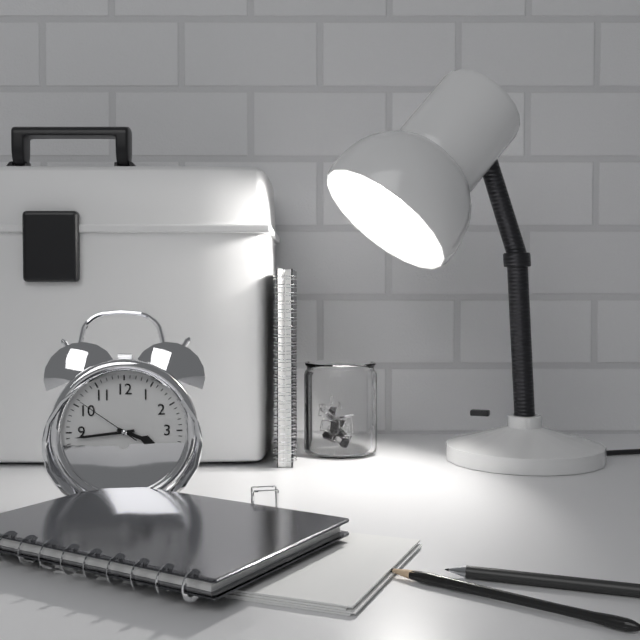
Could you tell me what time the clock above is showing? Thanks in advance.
3:44:51
